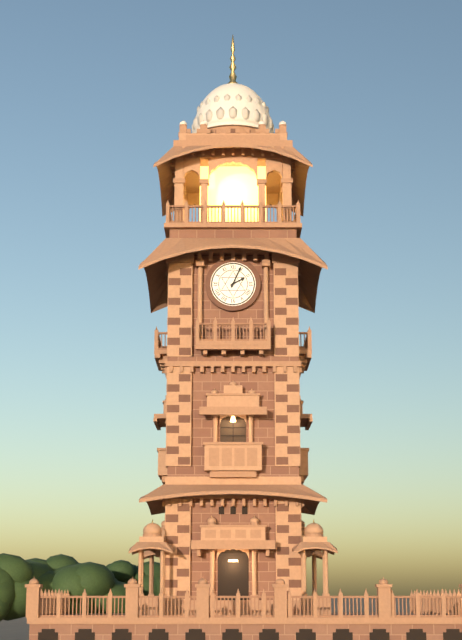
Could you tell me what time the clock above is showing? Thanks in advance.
2:04
